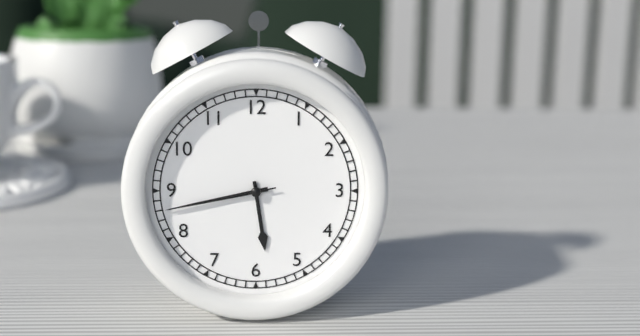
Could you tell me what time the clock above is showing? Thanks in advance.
5:43:43
